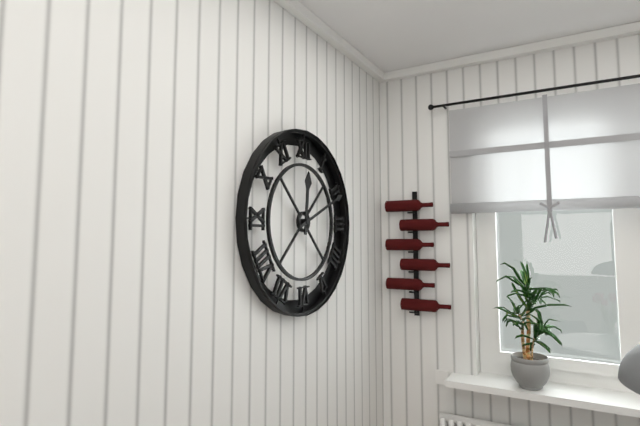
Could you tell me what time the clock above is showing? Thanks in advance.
12:11
